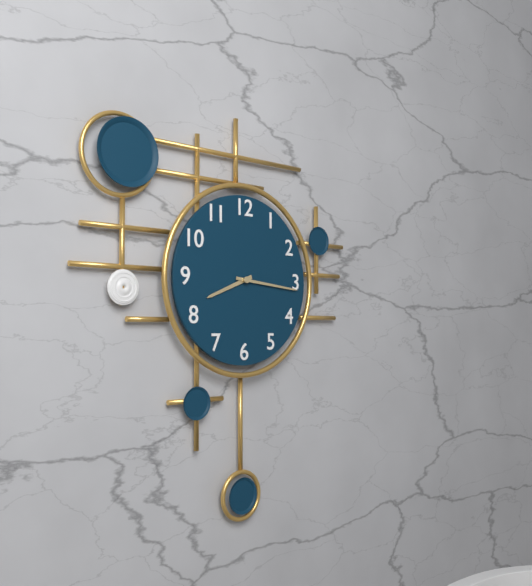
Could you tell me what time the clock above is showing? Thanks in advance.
8:16
